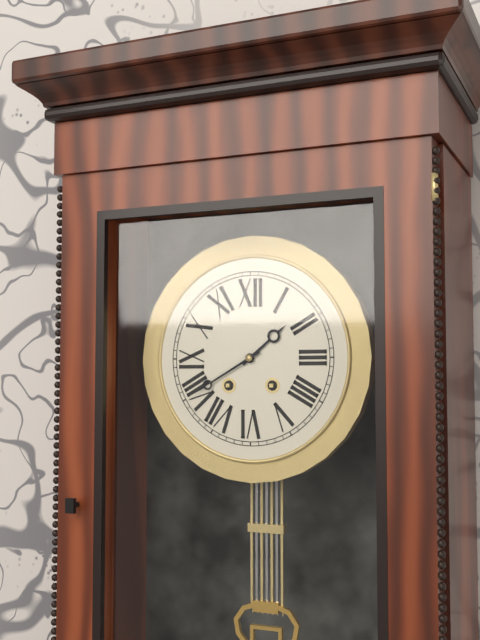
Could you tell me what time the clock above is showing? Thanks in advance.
1:40
